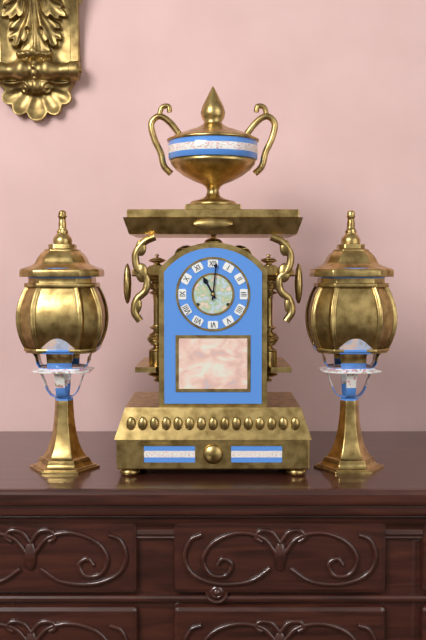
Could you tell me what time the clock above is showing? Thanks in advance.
11:01
